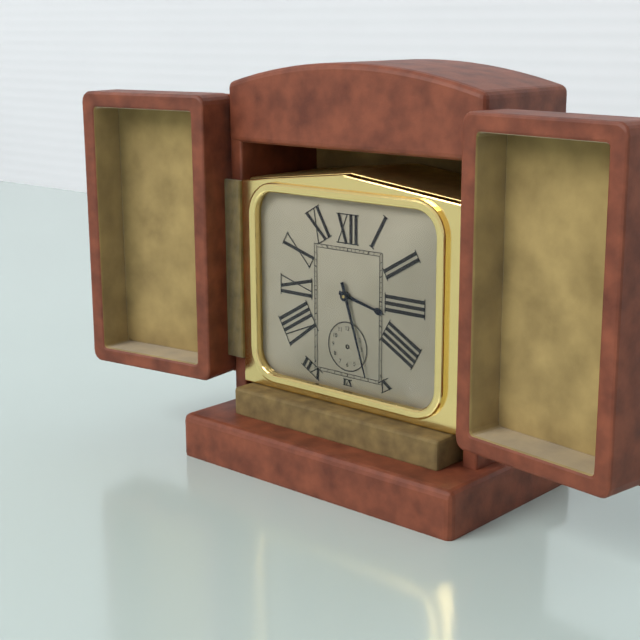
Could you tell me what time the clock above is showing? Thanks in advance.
3:27
